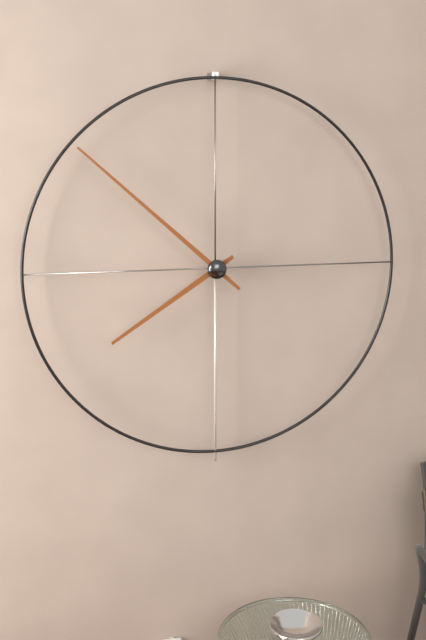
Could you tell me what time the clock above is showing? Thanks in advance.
7:52
